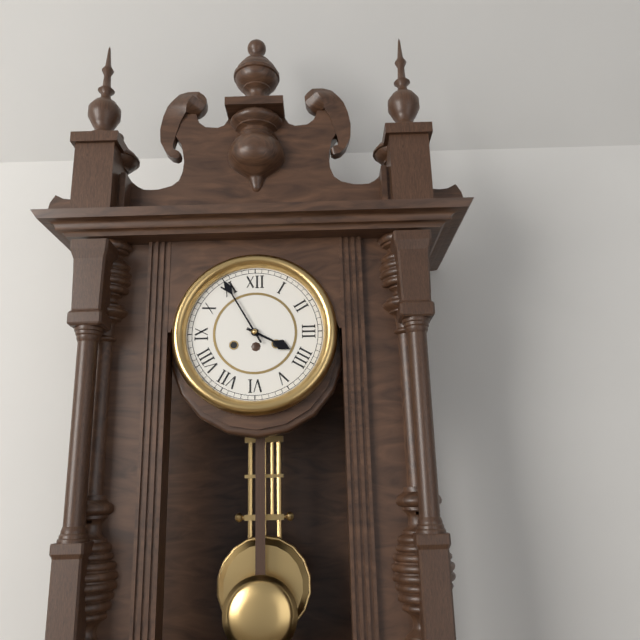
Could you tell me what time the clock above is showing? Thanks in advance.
3:55
